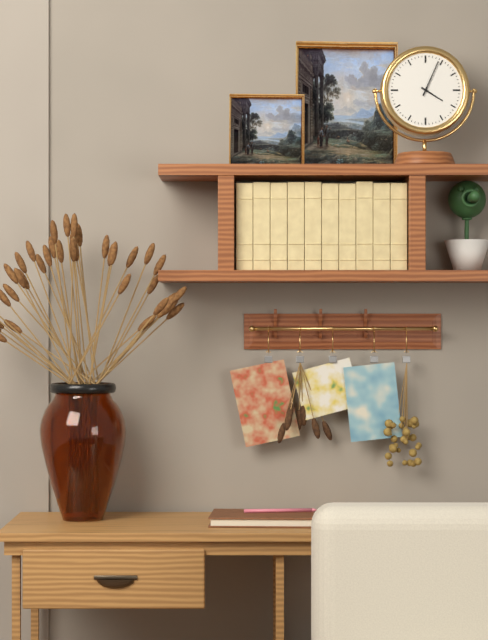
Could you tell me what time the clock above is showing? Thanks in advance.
4:04
